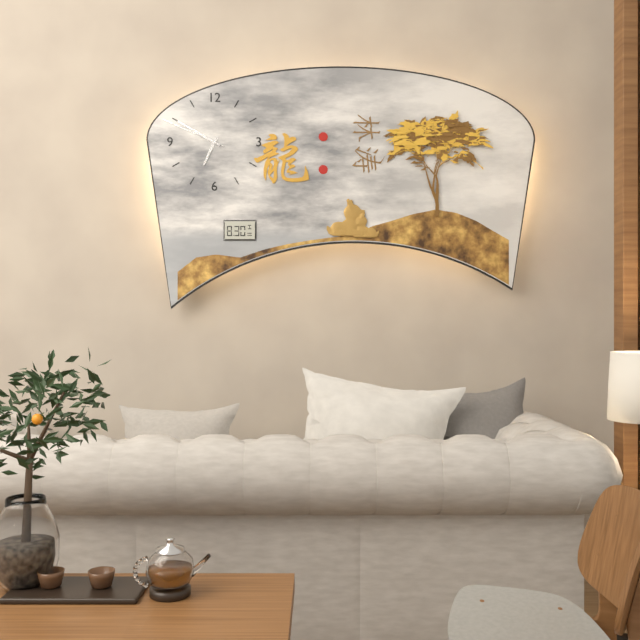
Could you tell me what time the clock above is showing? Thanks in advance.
6:50:49
